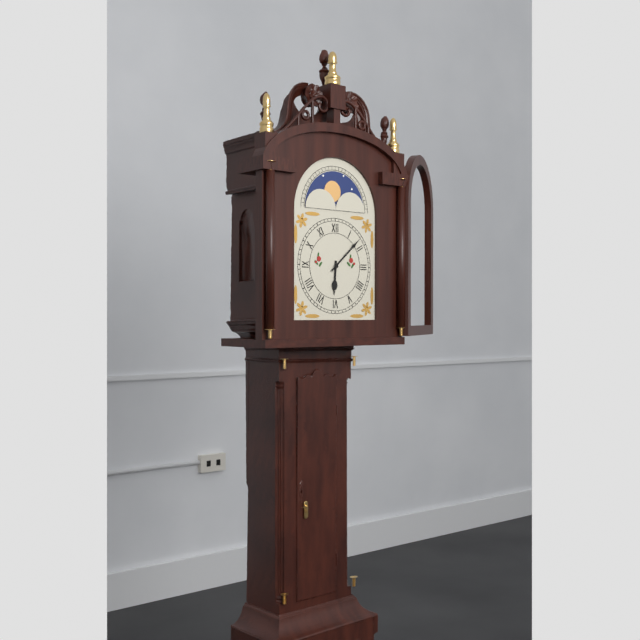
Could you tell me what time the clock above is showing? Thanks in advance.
6:08
